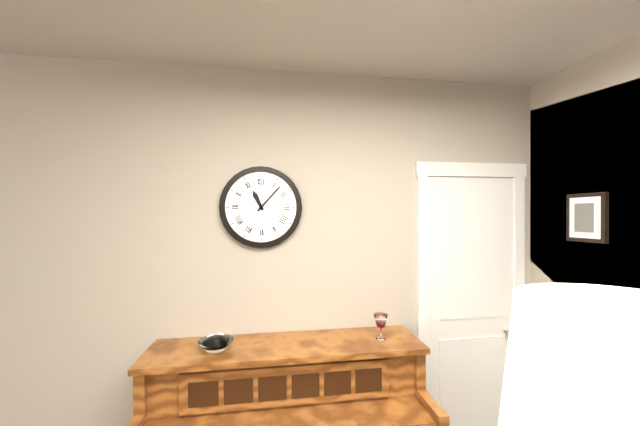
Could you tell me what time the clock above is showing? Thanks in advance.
11:07
